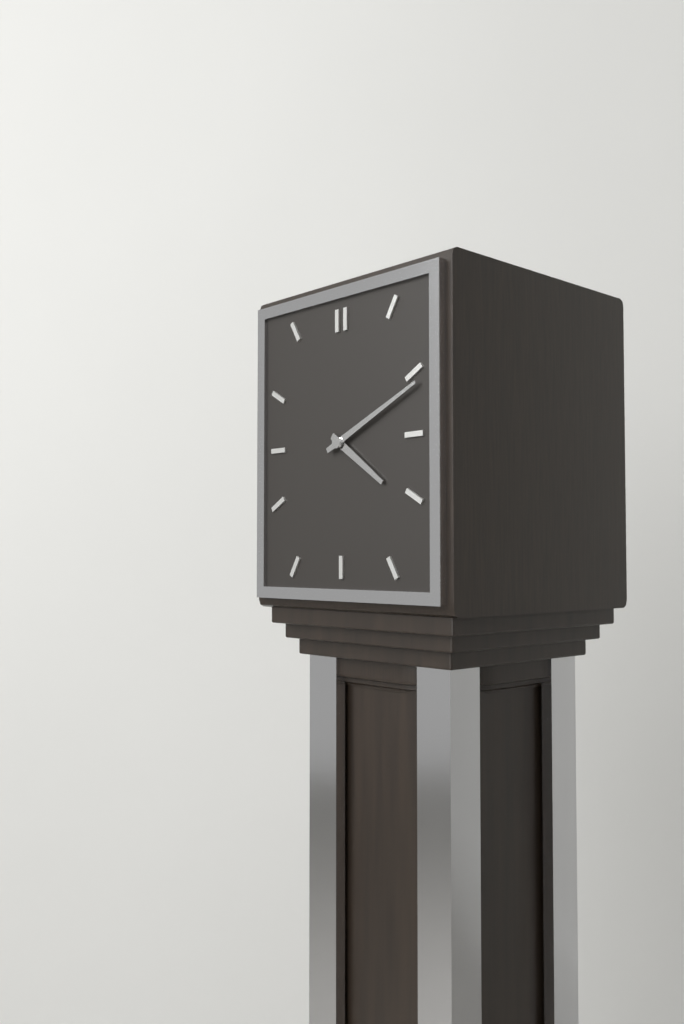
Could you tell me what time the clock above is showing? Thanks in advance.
4:11
